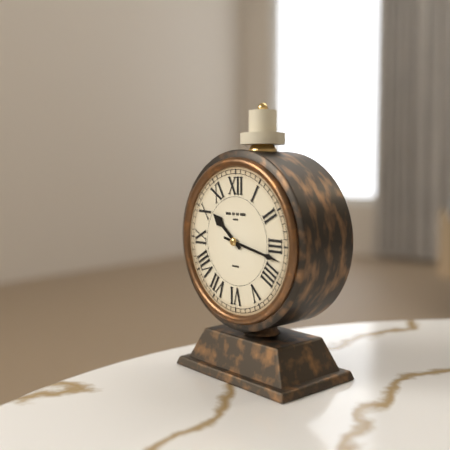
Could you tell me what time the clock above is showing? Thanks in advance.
10:17
